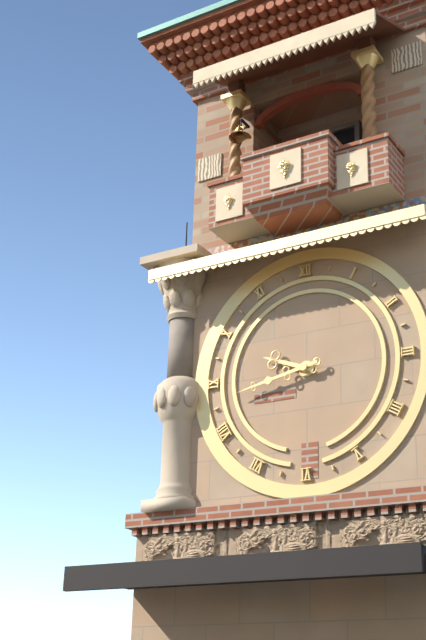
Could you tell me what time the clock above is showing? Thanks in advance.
9:43
